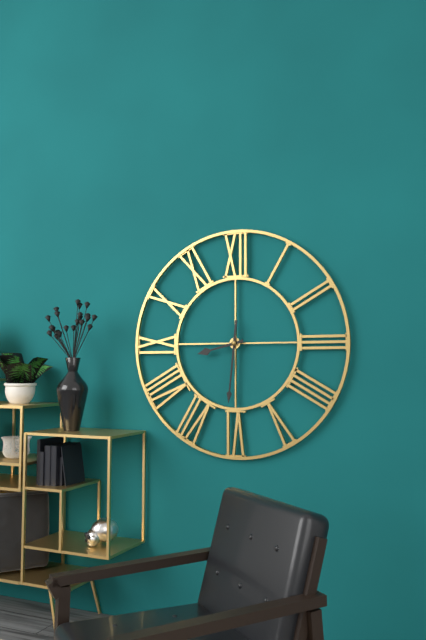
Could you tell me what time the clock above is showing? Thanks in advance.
8:31
